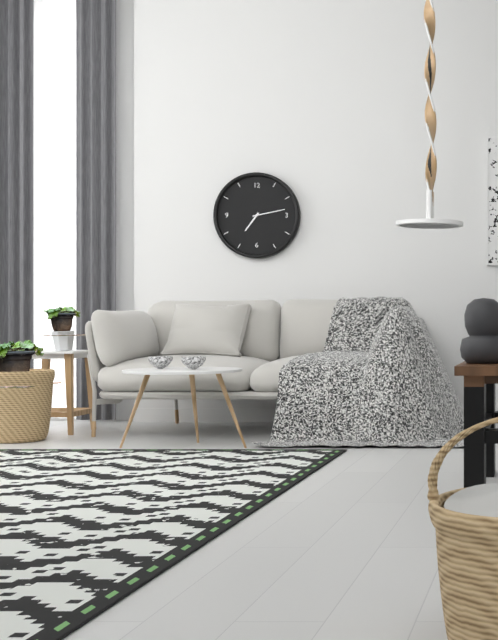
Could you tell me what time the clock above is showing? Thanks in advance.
7:13
